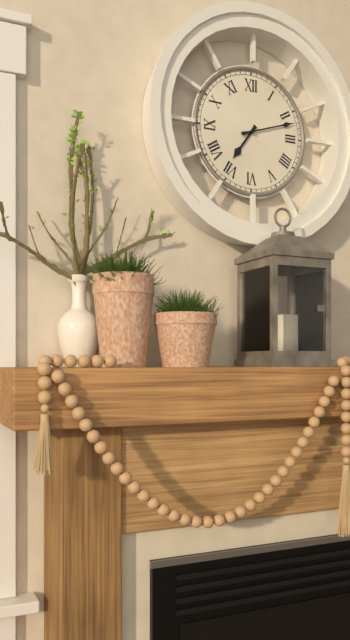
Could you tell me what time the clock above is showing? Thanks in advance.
7:12
